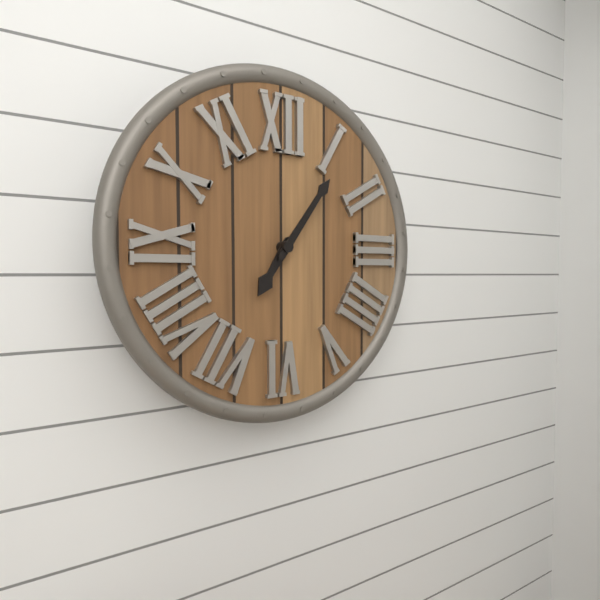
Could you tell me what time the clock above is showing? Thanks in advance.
7:06
